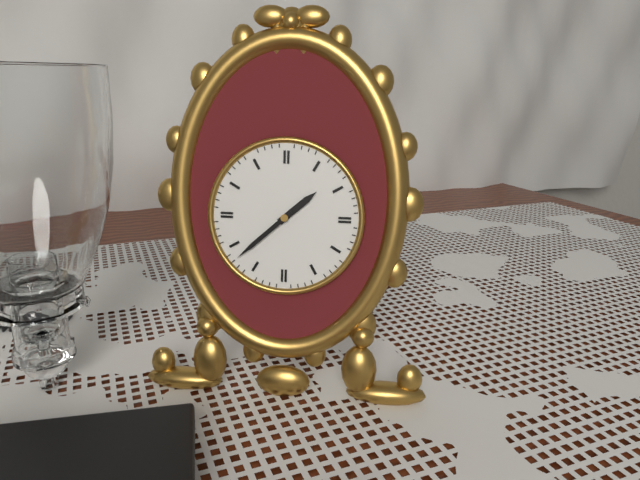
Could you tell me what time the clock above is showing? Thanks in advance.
1:38
